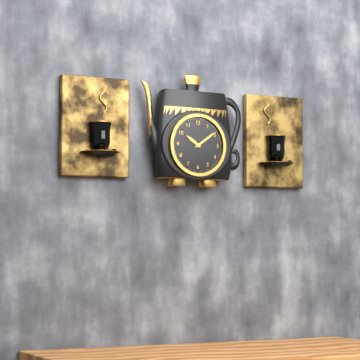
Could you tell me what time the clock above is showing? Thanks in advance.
10:09
